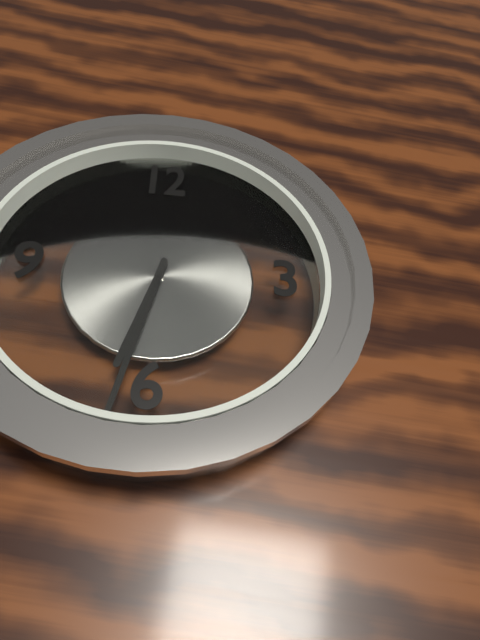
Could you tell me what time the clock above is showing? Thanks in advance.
6:32
